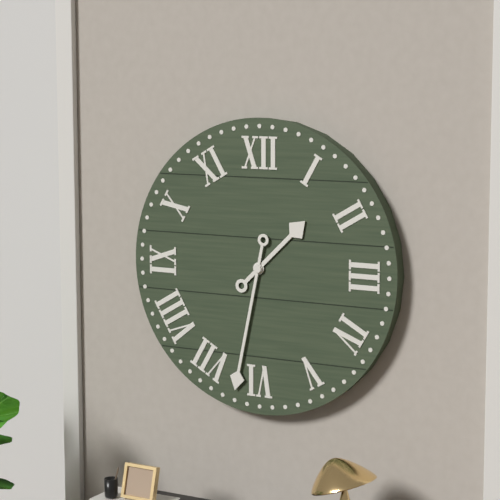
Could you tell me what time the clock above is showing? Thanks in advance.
1:32
